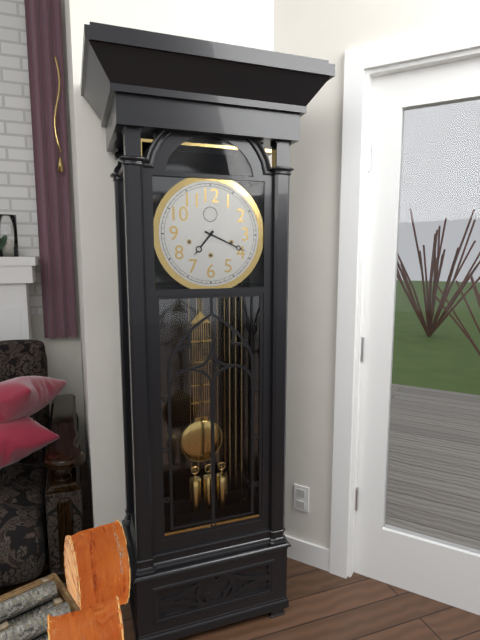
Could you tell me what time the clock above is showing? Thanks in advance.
7:19
